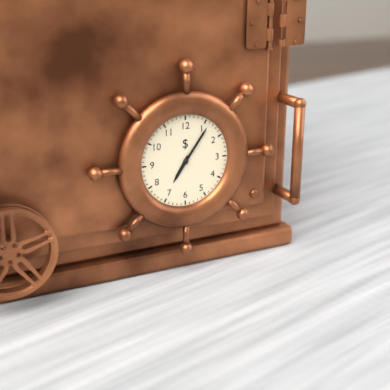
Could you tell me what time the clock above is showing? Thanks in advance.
7:06
